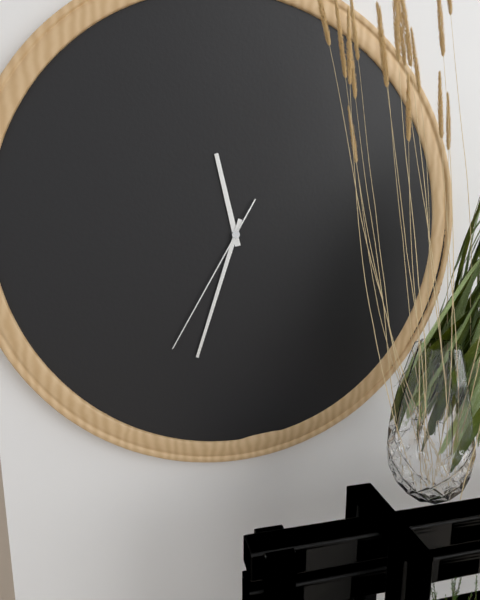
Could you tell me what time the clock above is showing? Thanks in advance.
11:33:35
